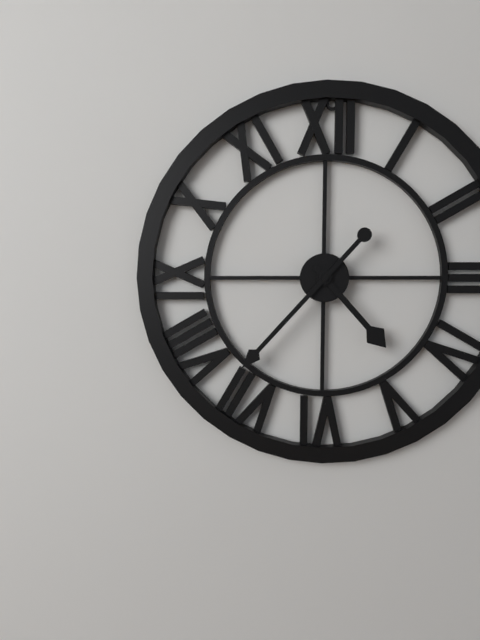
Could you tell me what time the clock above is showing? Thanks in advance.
4:37
